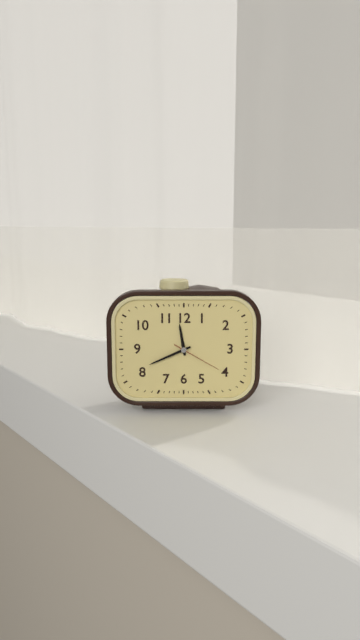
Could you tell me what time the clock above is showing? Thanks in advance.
11:41:20
